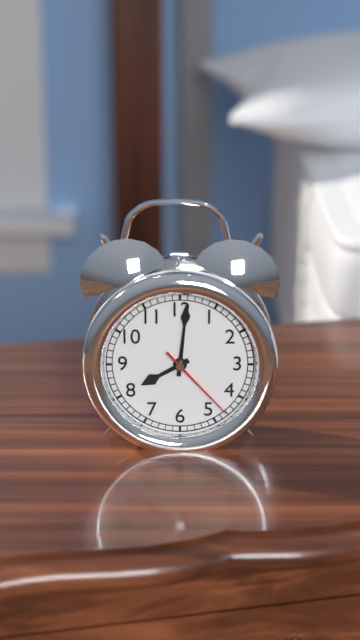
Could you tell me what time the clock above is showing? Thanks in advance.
8:01:23
